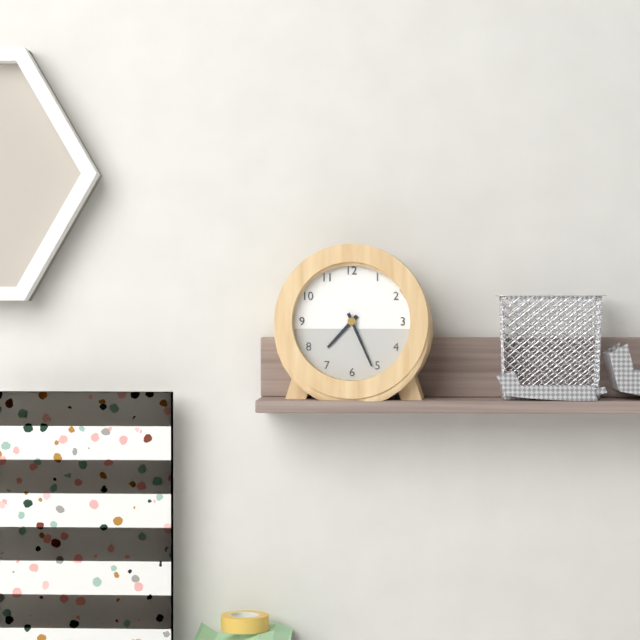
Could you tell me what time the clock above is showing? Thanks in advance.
7:26
